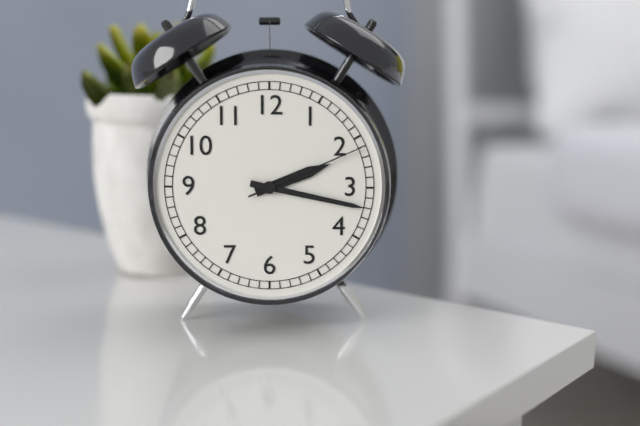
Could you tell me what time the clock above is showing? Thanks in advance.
2:17:11
